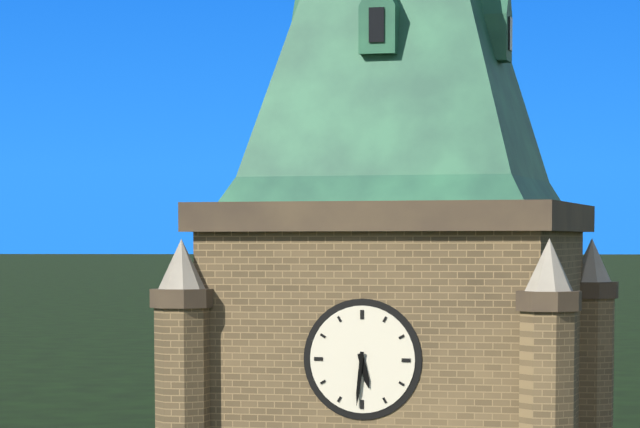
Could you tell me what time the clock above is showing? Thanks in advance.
5:31
